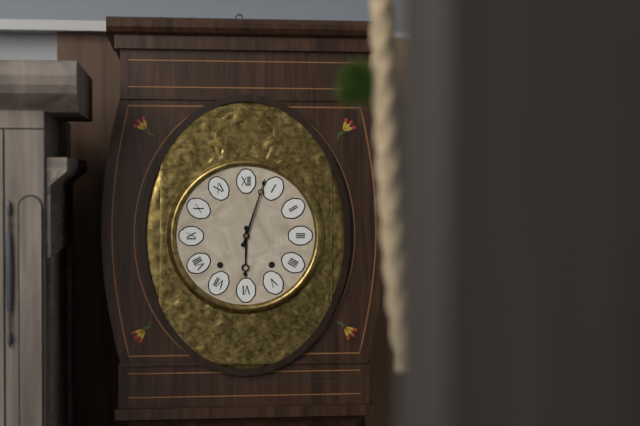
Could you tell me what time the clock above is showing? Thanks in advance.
6:03
